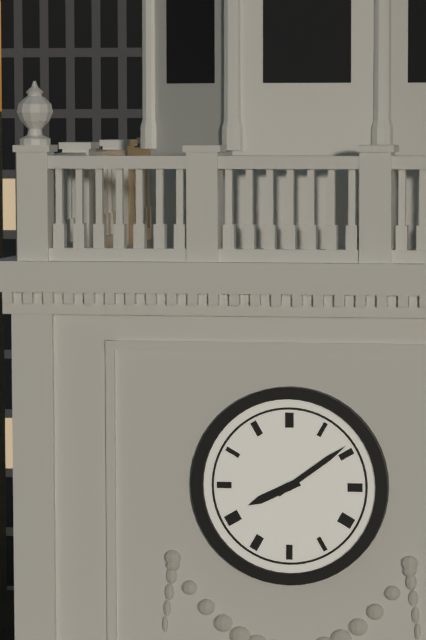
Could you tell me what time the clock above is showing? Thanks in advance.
8:09
